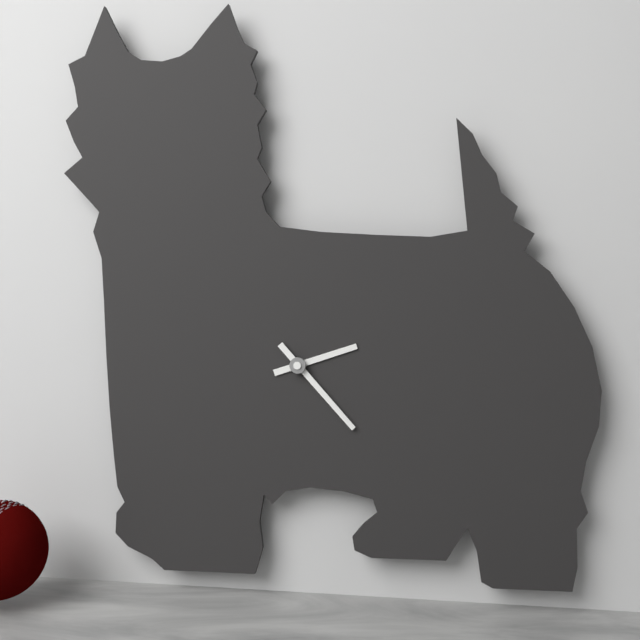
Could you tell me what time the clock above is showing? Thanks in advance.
2:23
